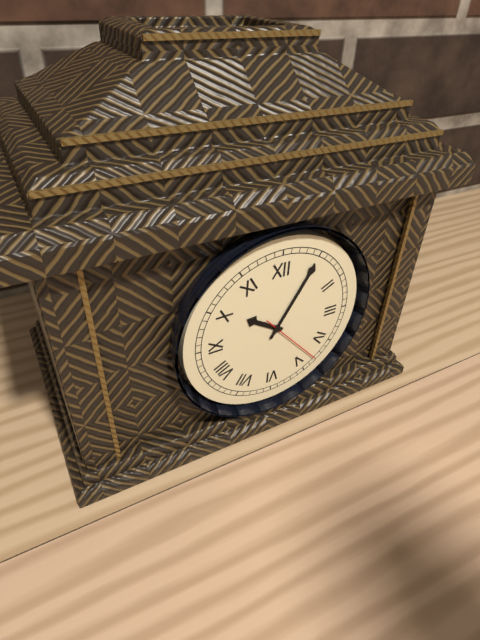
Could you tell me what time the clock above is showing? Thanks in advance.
10:05:23
